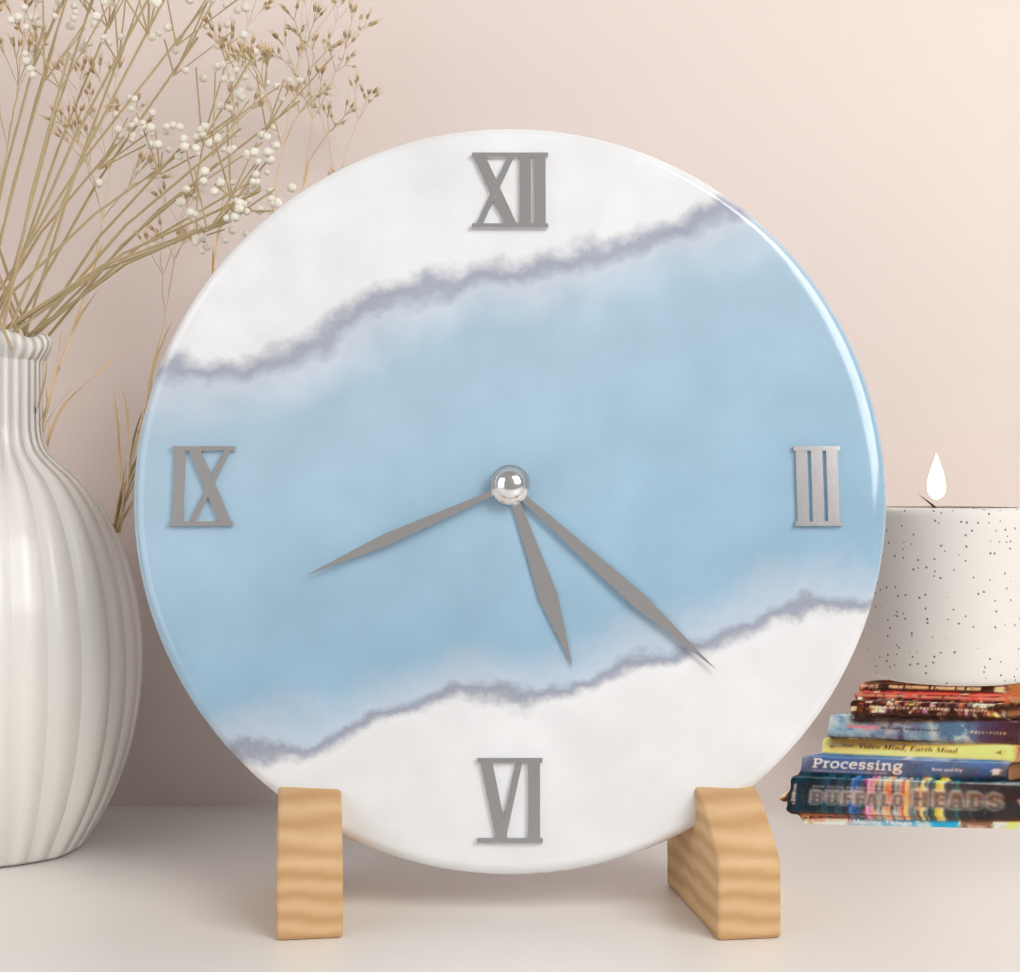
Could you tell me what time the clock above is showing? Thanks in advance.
5:22:41
